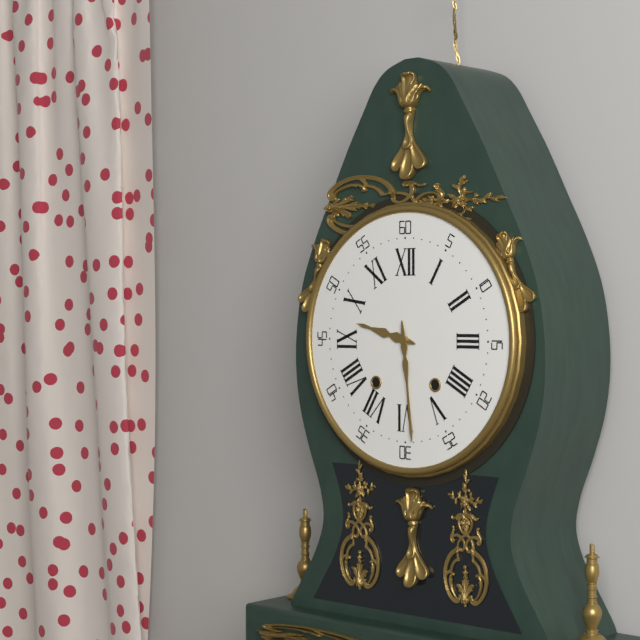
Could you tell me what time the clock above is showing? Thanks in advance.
9:29
